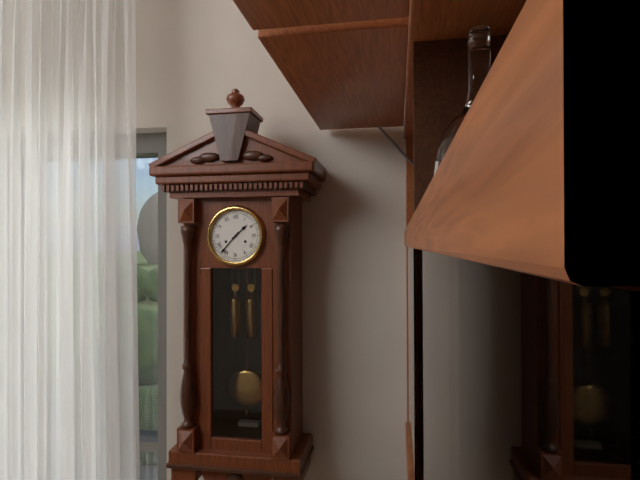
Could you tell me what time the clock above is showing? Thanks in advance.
1:37
